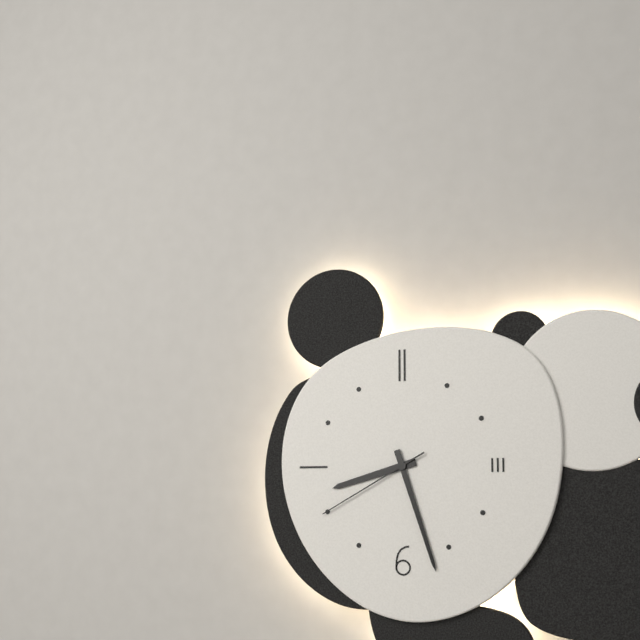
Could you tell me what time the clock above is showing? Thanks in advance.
8:27:40
